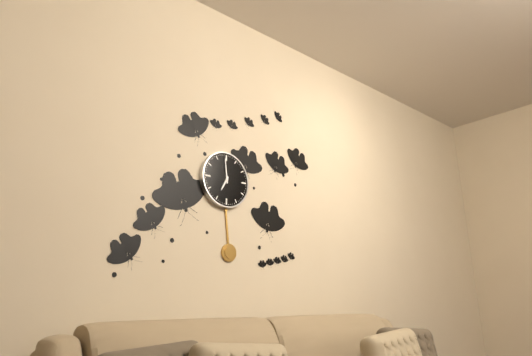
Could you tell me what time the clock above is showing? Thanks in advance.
6:59
